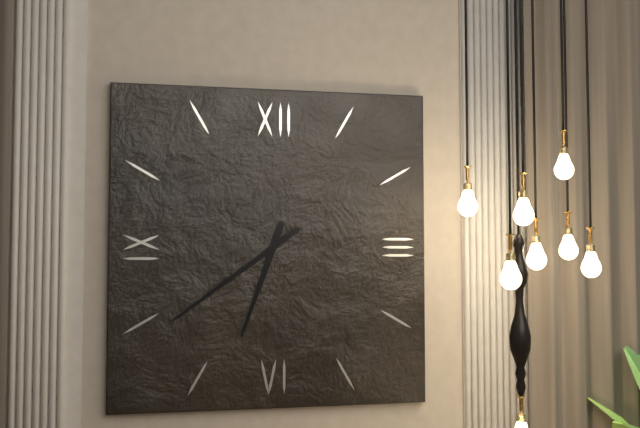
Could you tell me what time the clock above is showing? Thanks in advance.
6:39
